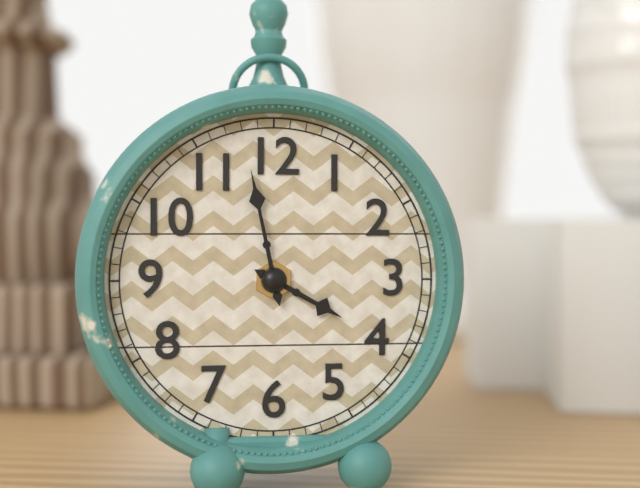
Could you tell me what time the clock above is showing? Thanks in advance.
3:58
